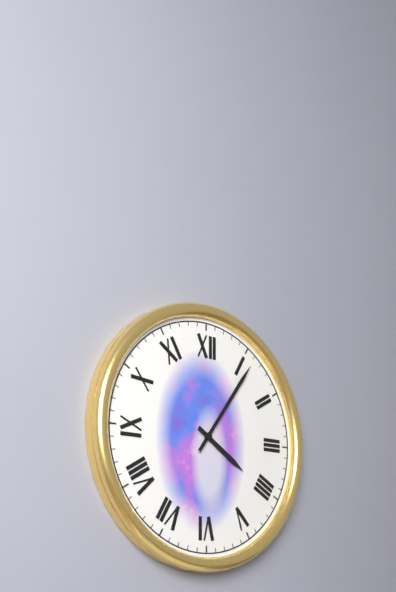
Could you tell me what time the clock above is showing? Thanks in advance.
4:06
